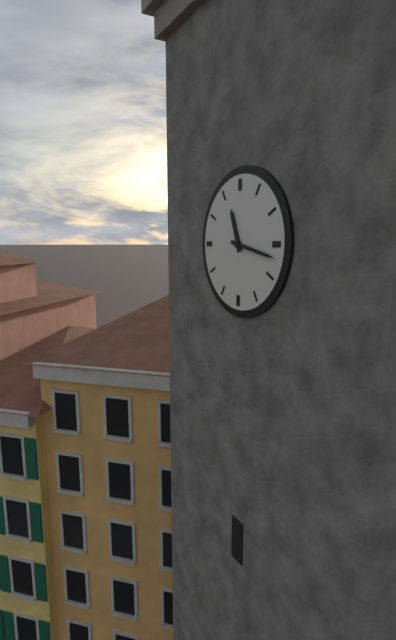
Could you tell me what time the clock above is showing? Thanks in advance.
11:17
